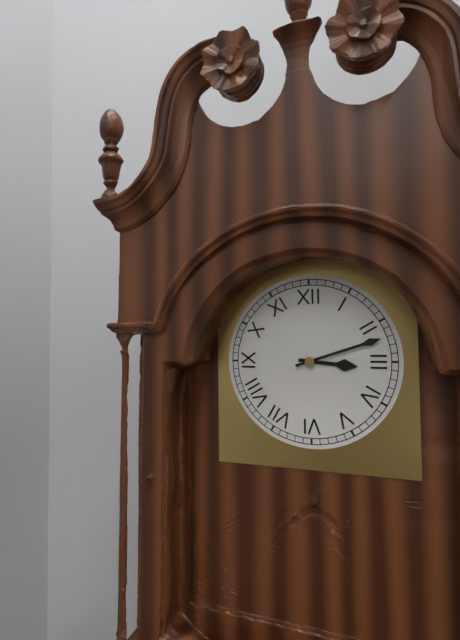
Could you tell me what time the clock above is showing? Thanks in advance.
3:12
